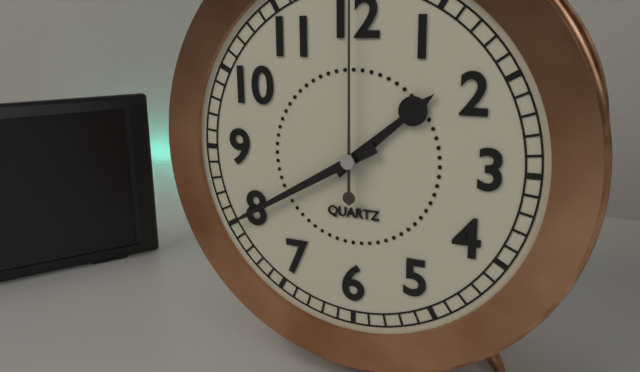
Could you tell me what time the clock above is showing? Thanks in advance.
1:40
